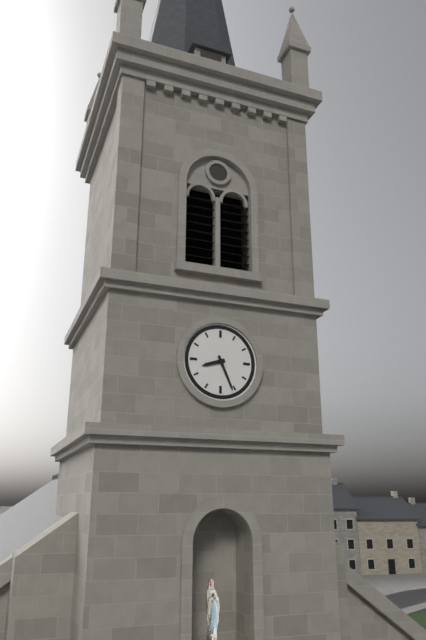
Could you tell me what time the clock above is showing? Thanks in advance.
8:26
